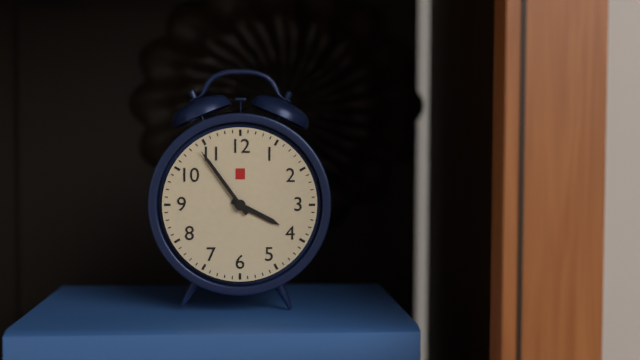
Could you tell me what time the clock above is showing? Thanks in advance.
3:54
